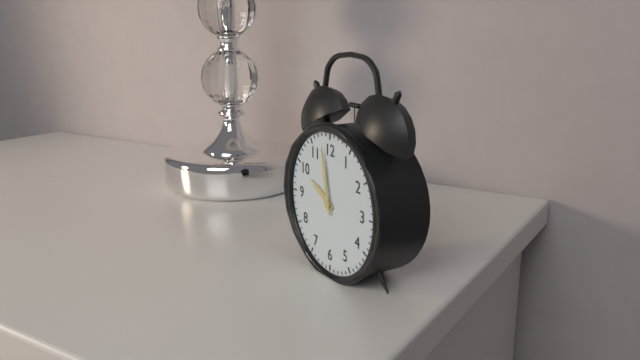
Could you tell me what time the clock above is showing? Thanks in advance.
9:58
